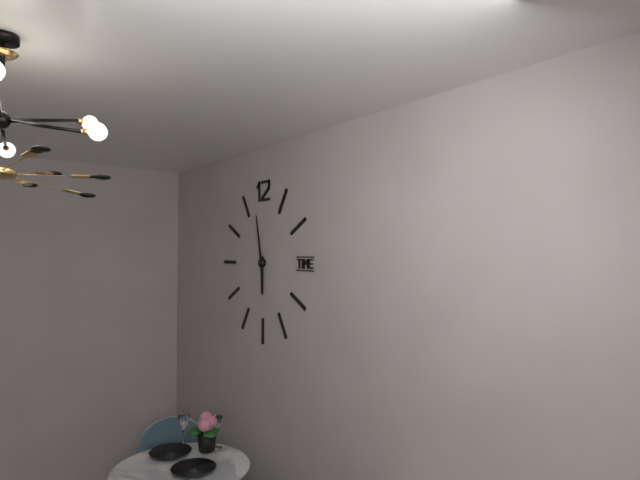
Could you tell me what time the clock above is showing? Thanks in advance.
5:58
